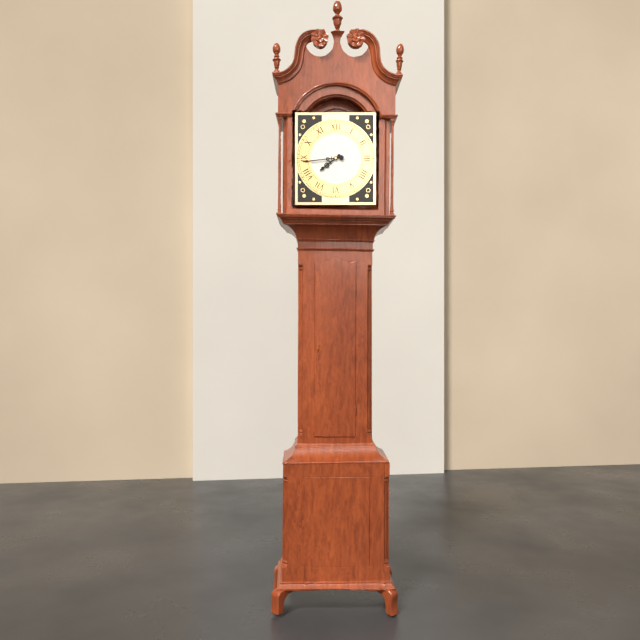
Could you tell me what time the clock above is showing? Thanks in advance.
7:44
